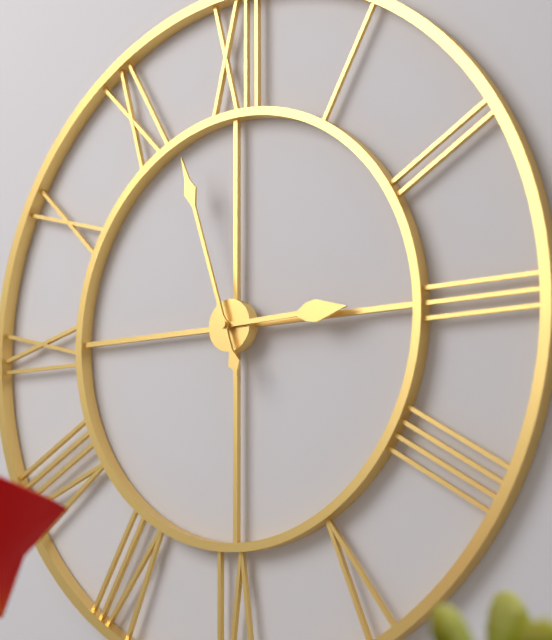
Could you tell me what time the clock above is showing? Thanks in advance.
2:57
